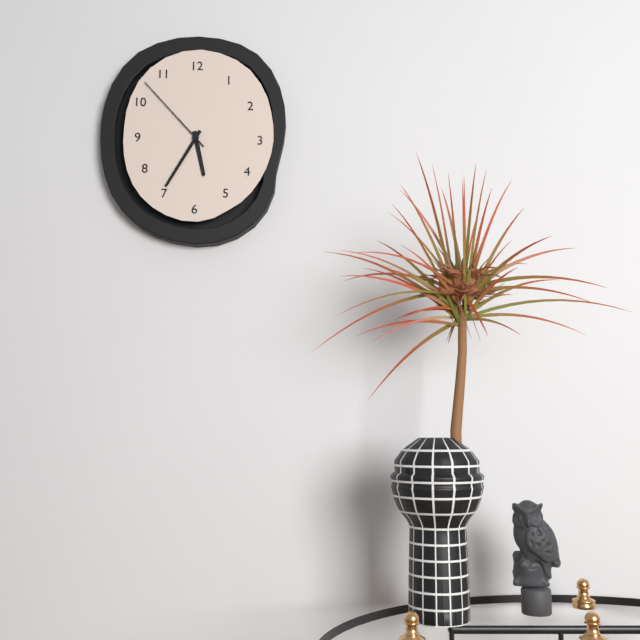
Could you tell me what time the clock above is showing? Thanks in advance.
5:35:53
